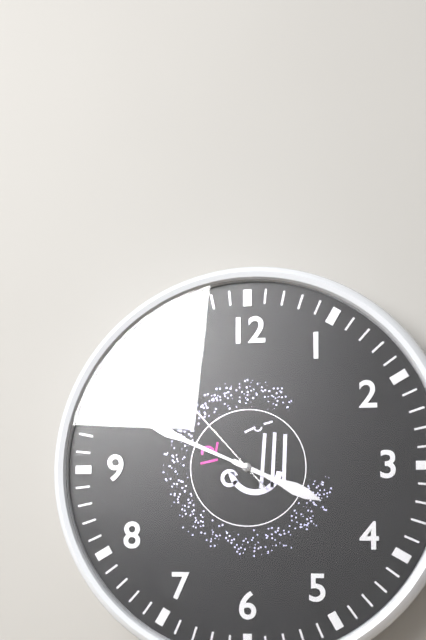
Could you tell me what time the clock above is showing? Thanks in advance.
3:49:53
